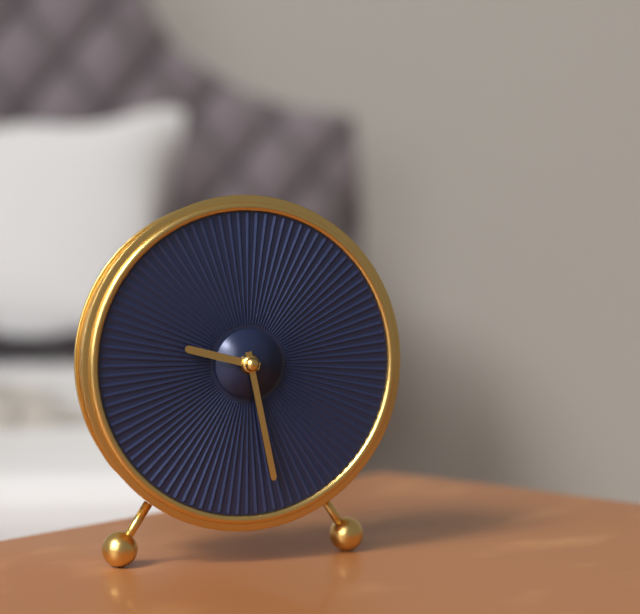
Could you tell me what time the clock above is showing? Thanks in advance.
9:28
